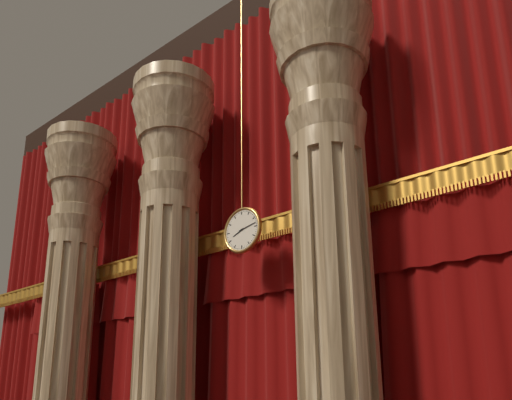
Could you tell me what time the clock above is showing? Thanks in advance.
8:13
